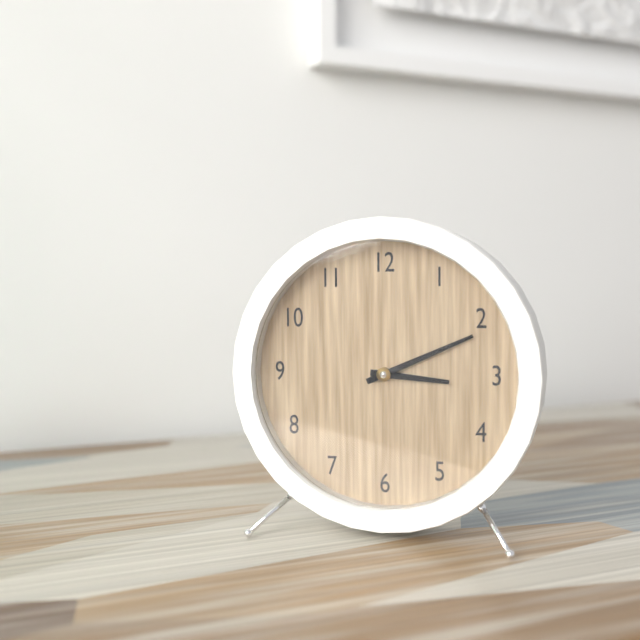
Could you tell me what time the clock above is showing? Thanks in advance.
3:11
